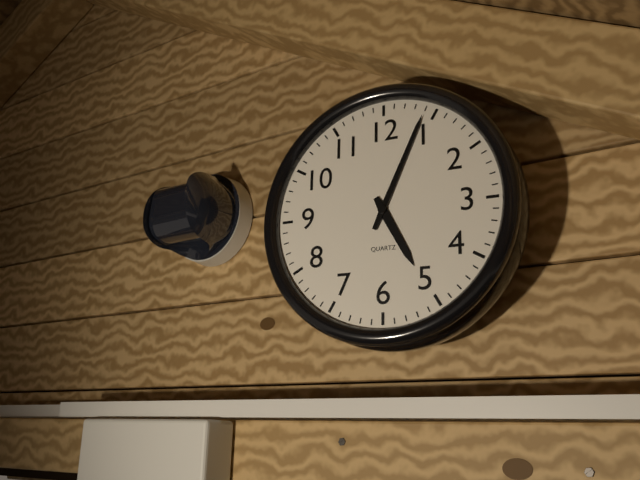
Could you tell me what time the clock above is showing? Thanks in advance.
5:04
